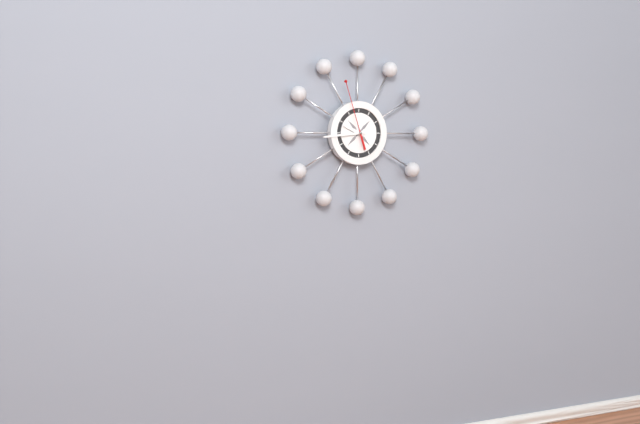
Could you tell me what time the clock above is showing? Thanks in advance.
9:44:57
